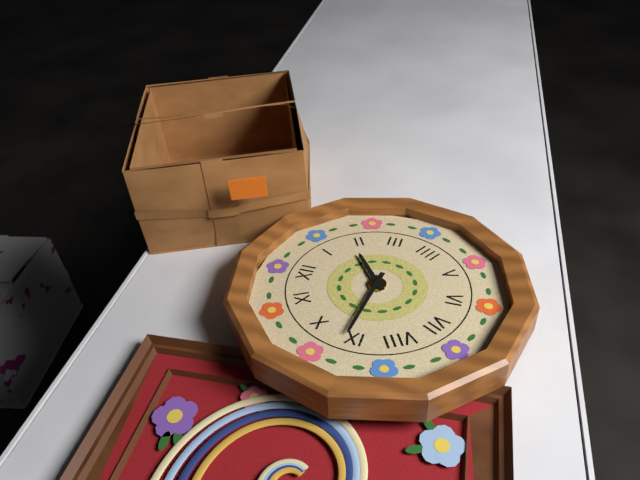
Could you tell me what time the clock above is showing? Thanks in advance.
1:46
